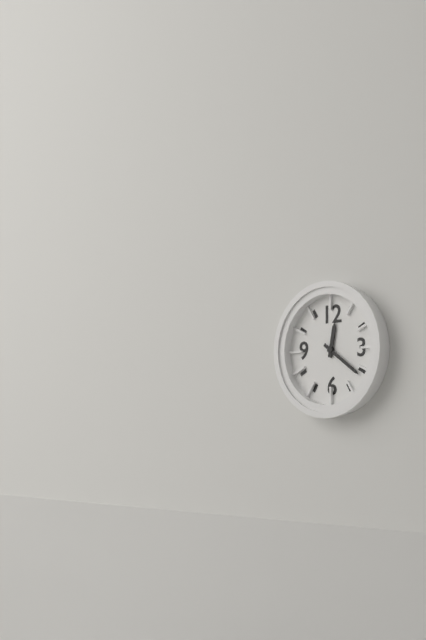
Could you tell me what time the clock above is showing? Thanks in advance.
12:21
